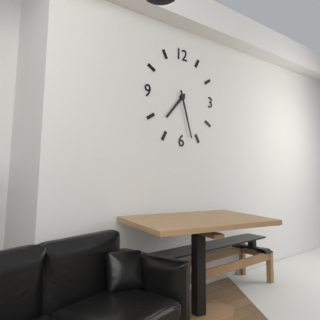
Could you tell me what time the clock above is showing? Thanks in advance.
7:27
